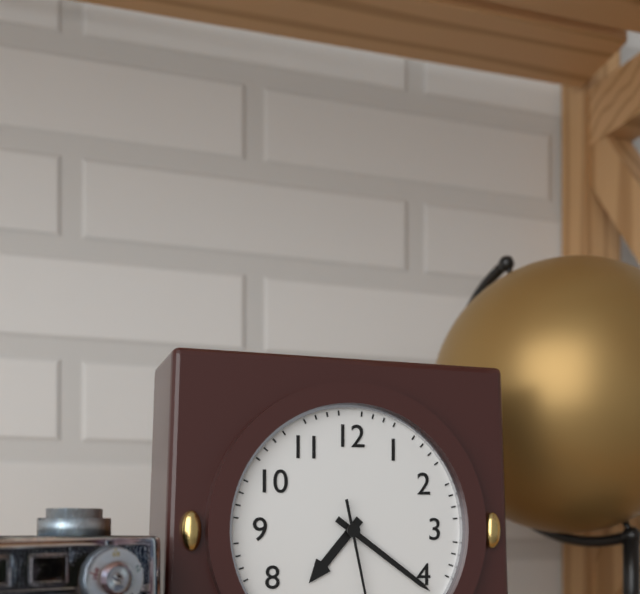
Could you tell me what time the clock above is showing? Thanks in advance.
7:21
